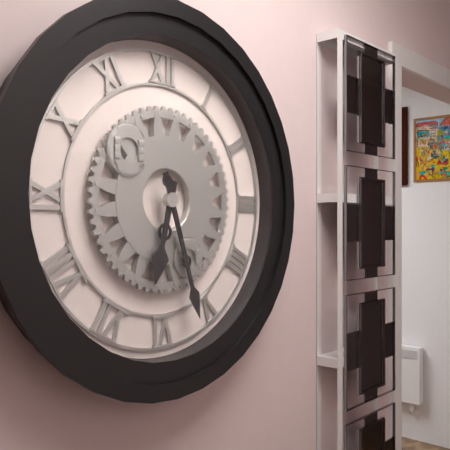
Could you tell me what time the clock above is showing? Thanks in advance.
6:27
